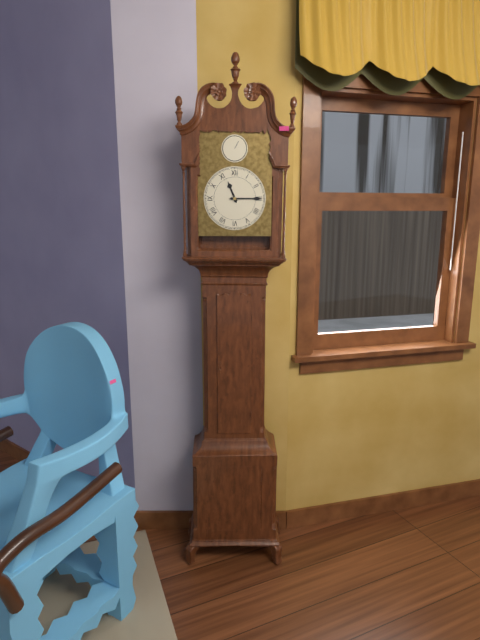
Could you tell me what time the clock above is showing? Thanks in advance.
11:15
